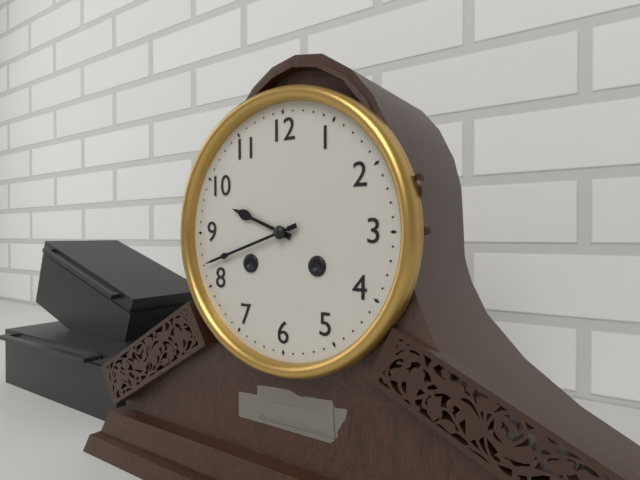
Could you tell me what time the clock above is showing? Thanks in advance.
9:42
